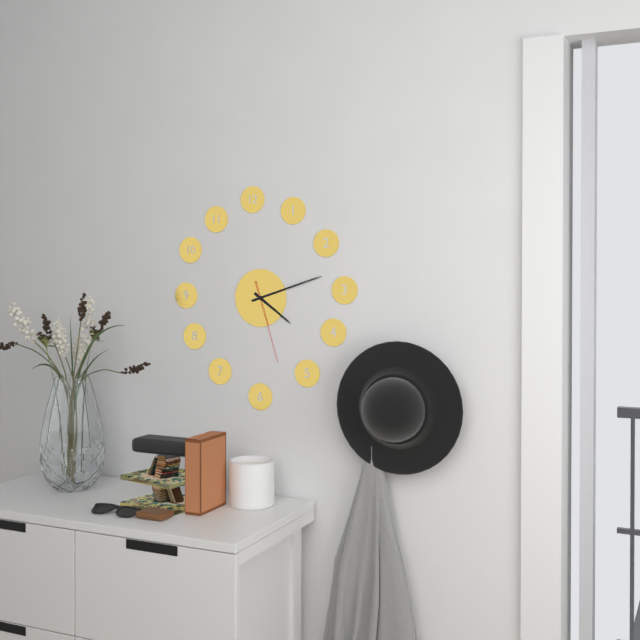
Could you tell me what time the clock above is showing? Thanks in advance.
4:12:27
